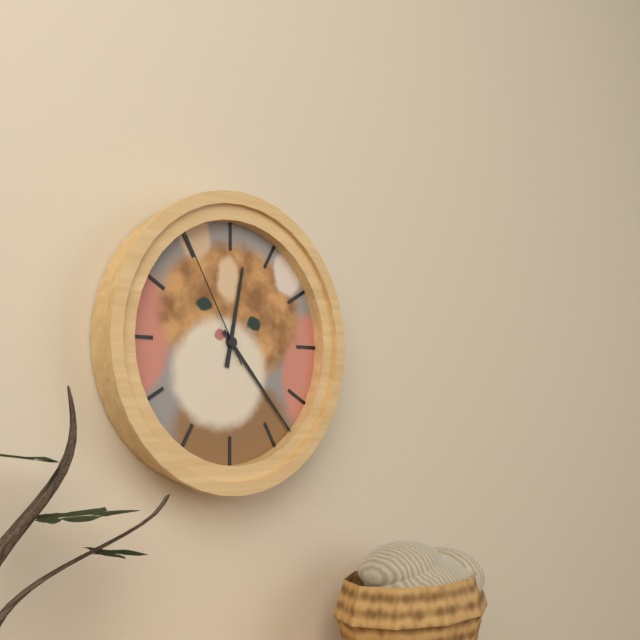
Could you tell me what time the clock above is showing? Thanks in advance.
12:23:55
